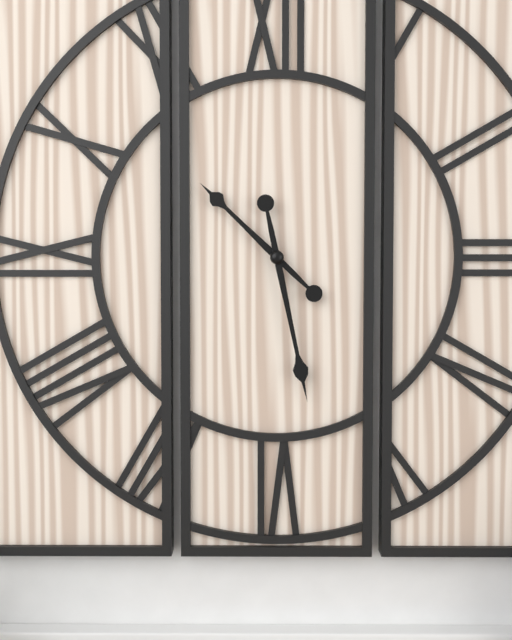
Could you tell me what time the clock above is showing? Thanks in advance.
10:28
